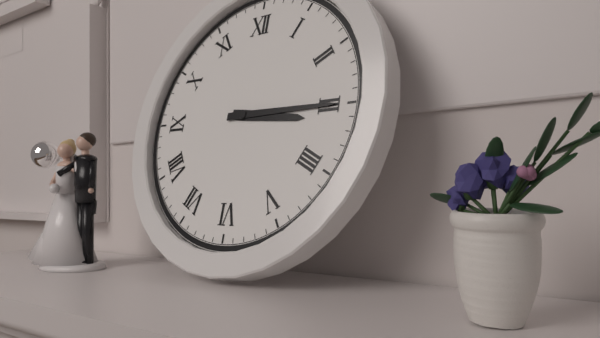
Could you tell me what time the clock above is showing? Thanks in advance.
3:15
